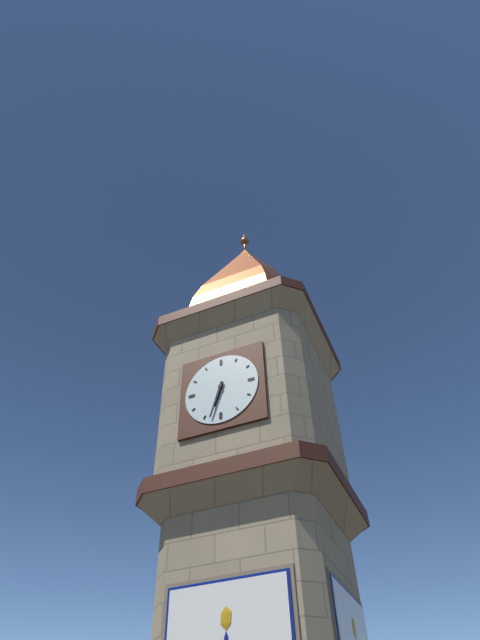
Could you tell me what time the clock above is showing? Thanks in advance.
6:33
